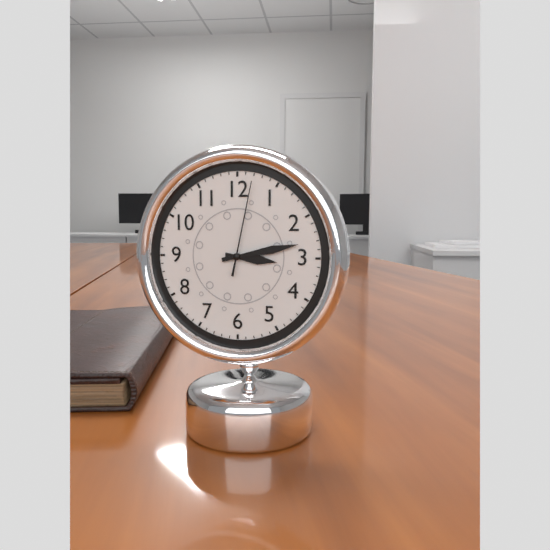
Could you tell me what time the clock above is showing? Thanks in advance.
3:13:02
